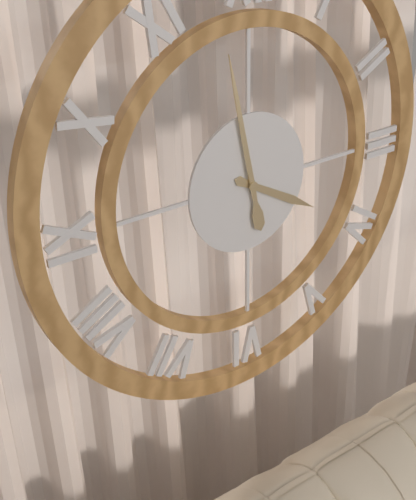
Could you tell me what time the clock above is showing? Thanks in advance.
3:58
